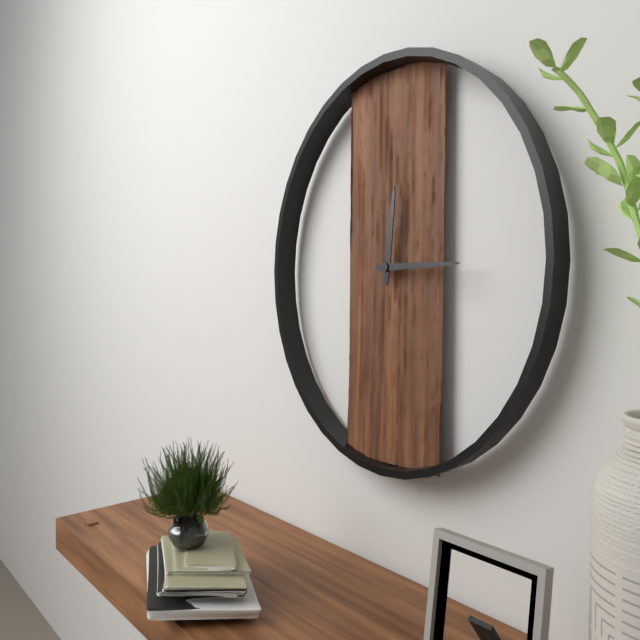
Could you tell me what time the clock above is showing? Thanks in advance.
12:15
